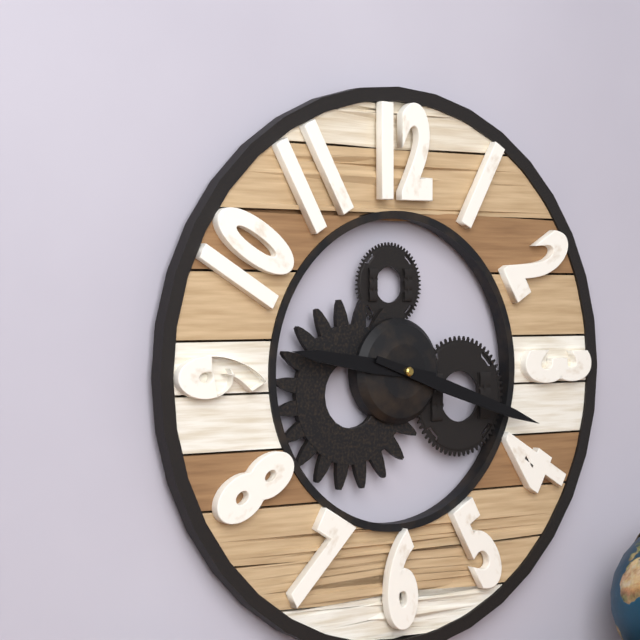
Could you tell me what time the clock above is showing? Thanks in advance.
9:18
